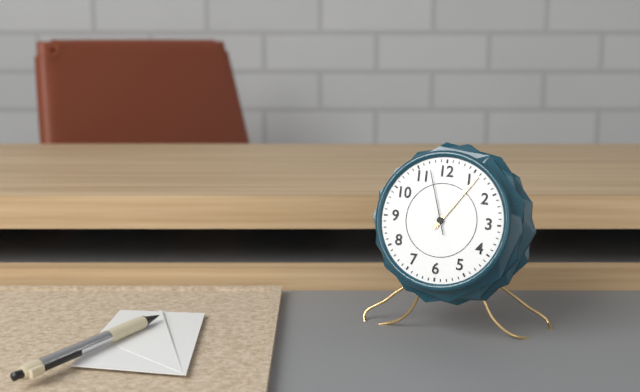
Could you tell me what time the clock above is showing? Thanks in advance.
1:06:57
